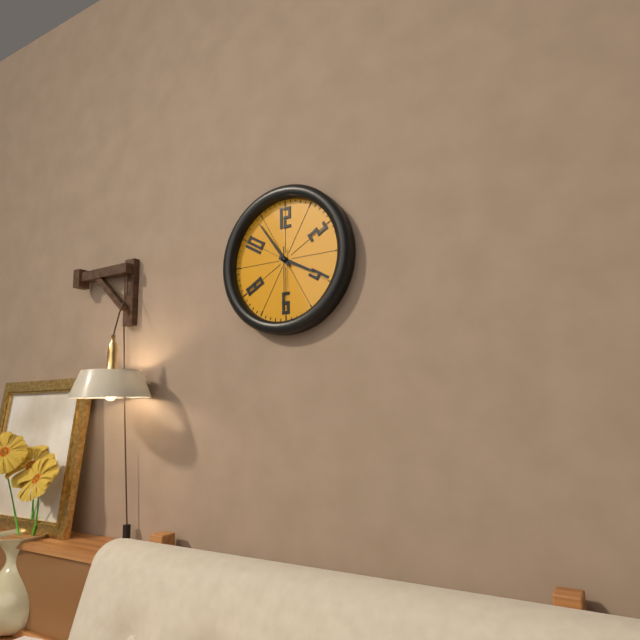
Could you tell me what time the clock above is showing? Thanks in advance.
3:54:30
